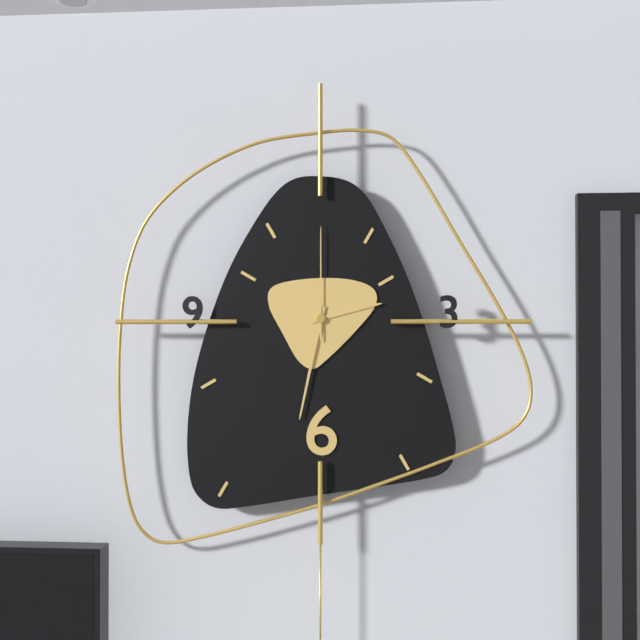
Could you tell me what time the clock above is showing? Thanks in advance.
2:32:00
